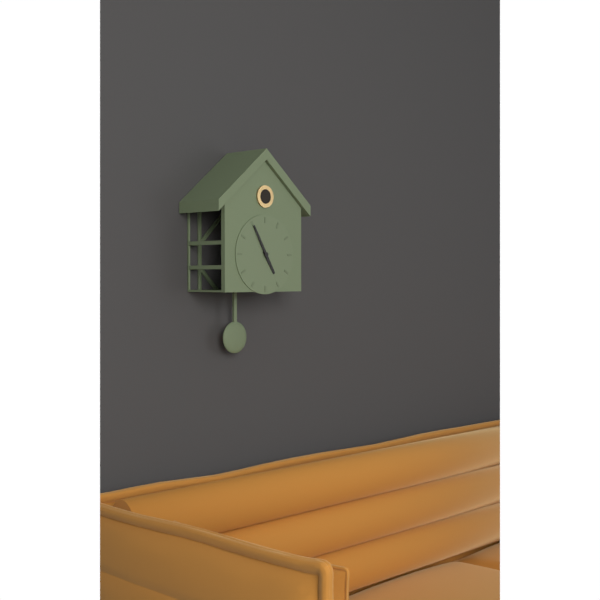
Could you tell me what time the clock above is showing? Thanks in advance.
4:55
